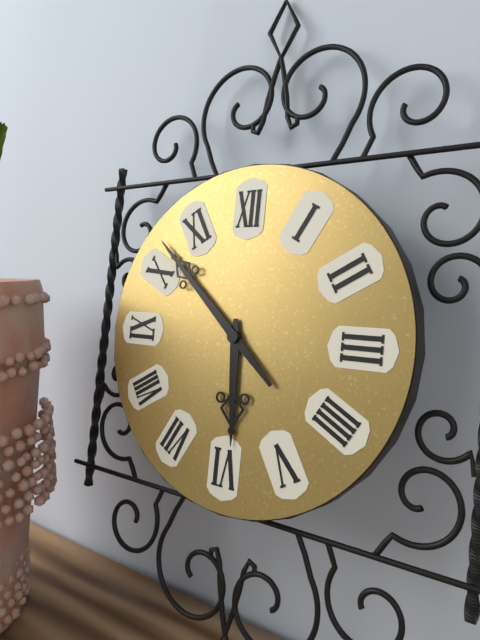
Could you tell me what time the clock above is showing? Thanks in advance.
5:52
